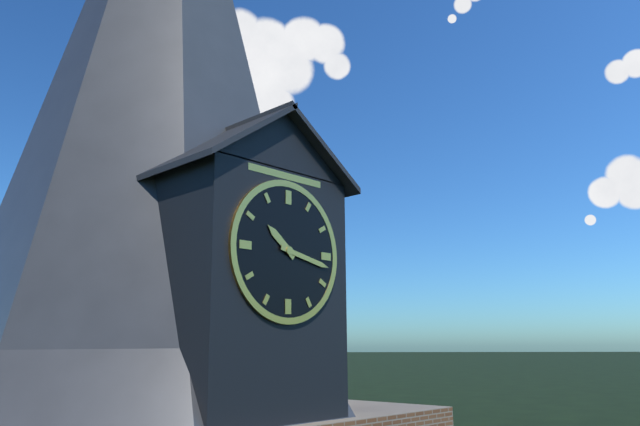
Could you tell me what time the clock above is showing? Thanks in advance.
10:17
